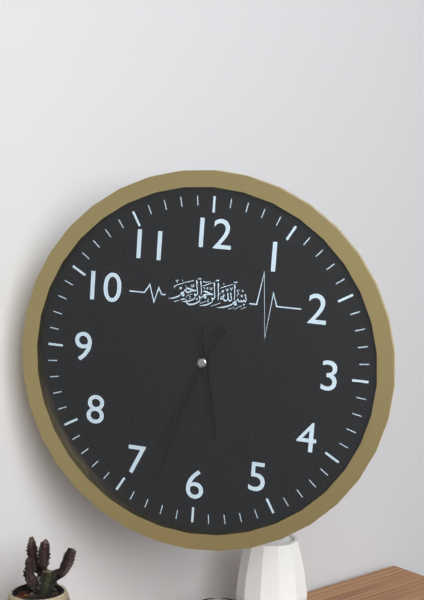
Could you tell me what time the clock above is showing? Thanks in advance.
5:34:33
